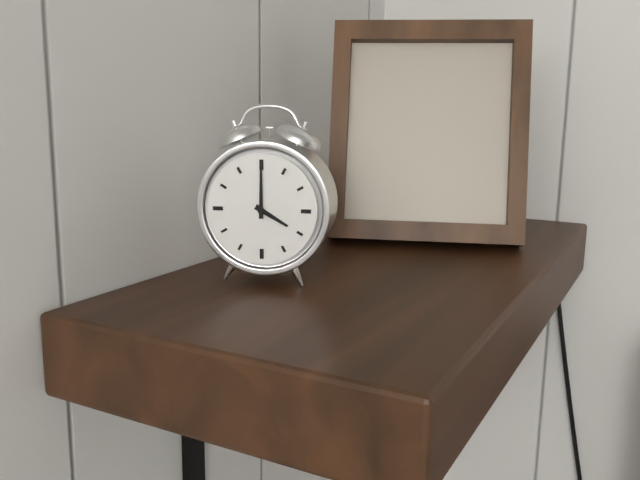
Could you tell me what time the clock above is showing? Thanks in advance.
4:00
